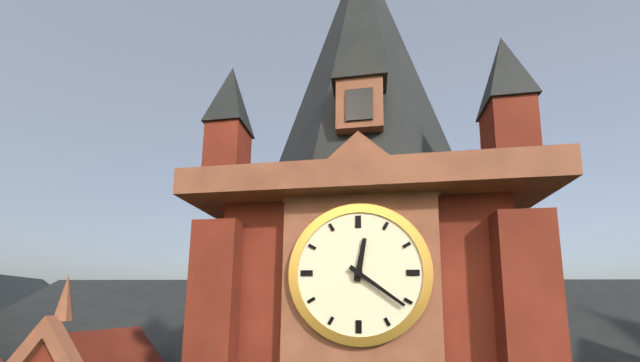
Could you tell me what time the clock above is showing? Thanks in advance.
12:21
